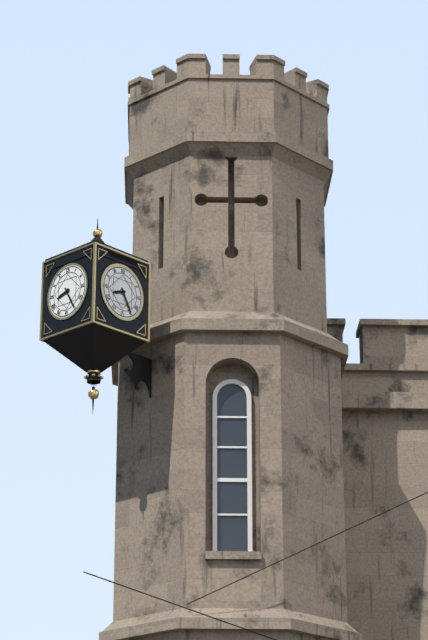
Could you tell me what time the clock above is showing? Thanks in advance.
8:25
